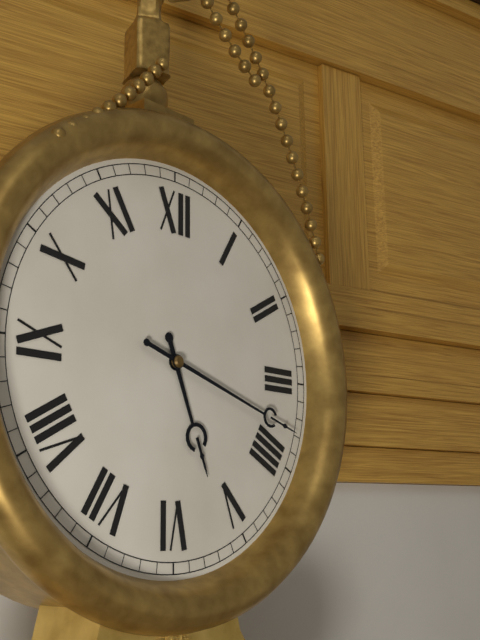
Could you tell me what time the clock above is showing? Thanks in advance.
5:18
